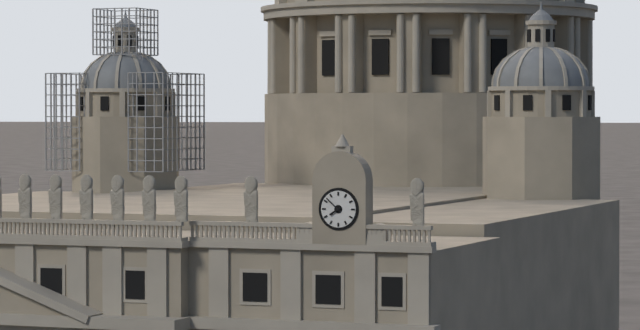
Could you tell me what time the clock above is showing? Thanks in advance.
7:52
